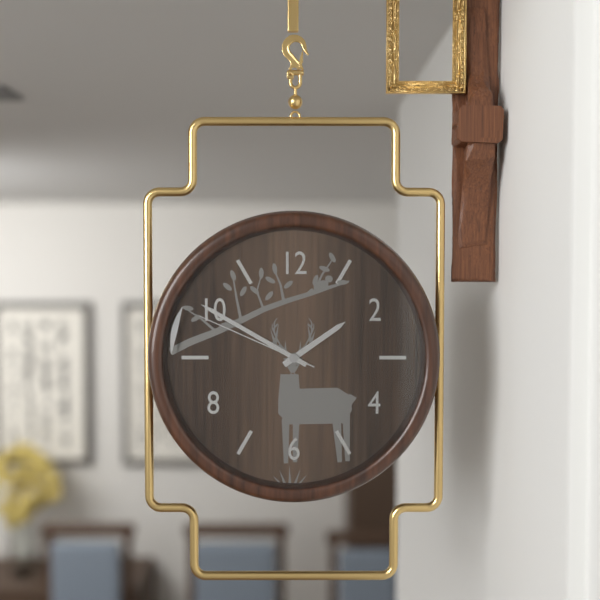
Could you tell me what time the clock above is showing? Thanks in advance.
1:50:49
